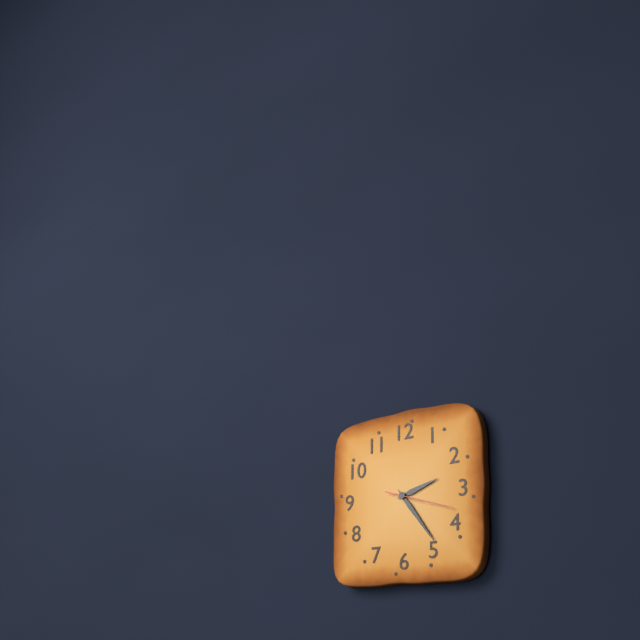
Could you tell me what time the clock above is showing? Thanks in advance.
2:24:18
